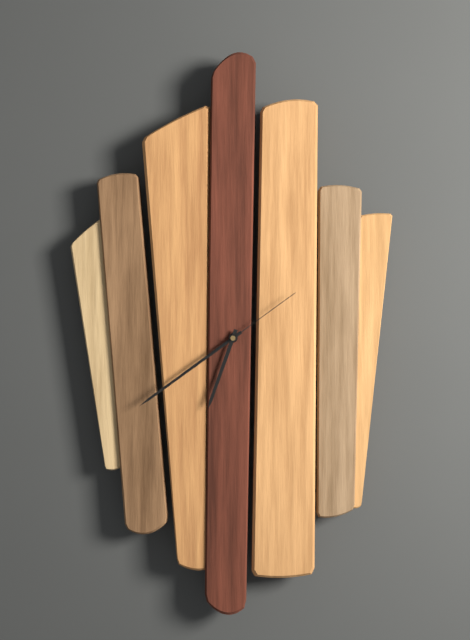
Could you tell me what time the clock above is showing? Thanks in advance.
6:39:09
